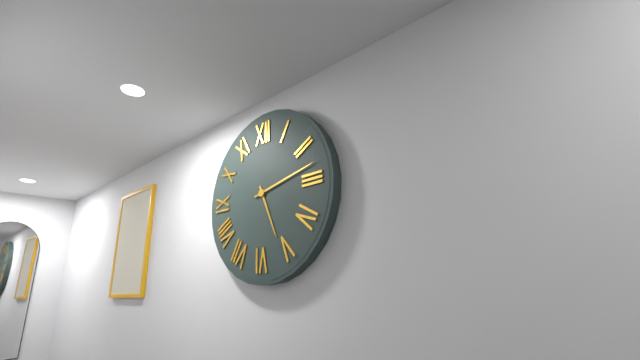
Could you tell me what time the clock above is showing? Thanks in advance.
5:13
